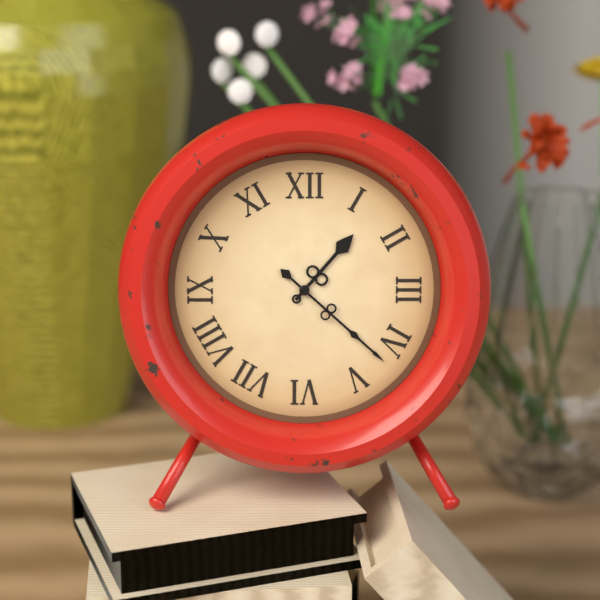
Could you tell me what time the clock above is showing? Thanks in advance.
1:22
